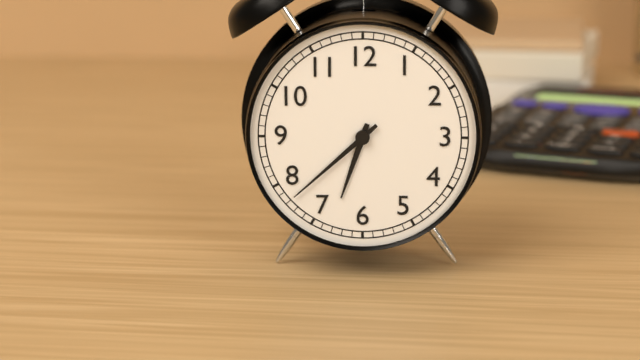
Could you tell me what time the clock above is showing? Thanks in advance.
6:38
